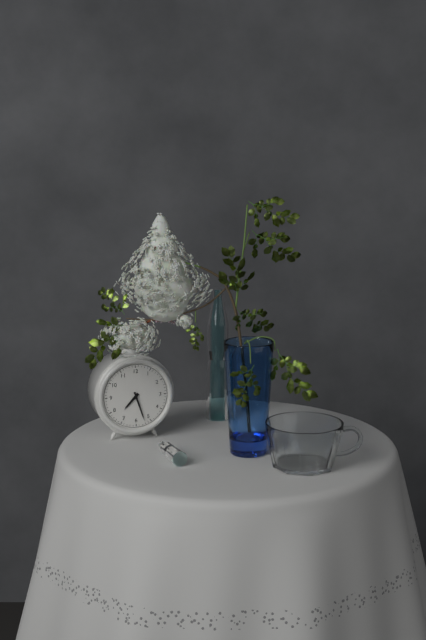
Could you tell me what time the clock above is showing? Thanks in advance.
7:27
